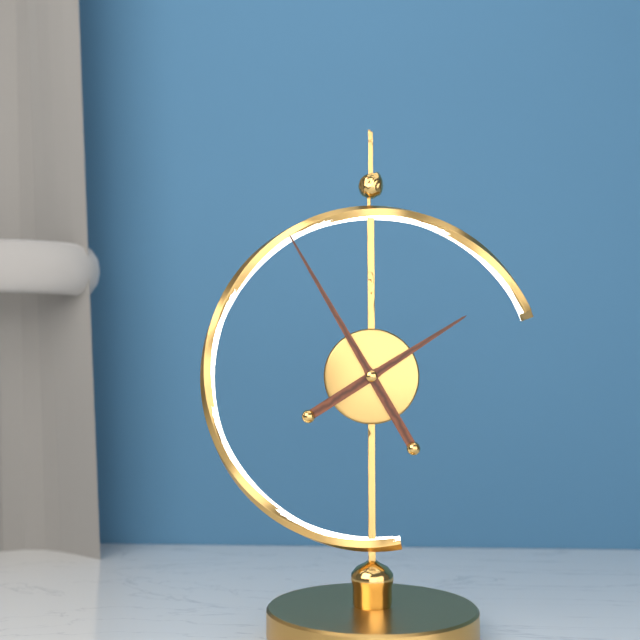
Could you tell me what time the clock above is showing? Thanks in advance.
1:55
